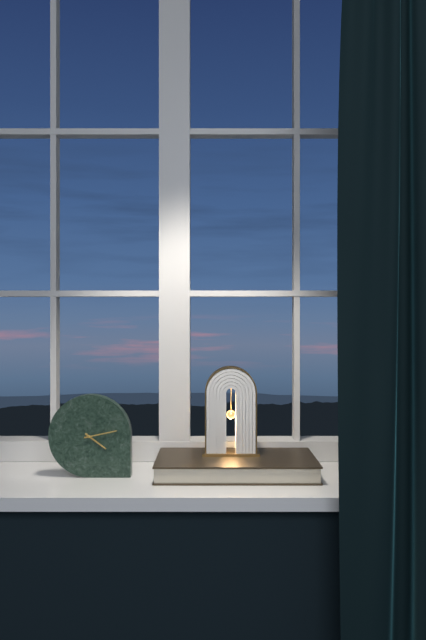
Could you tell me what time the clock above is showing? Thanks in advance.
4:13
